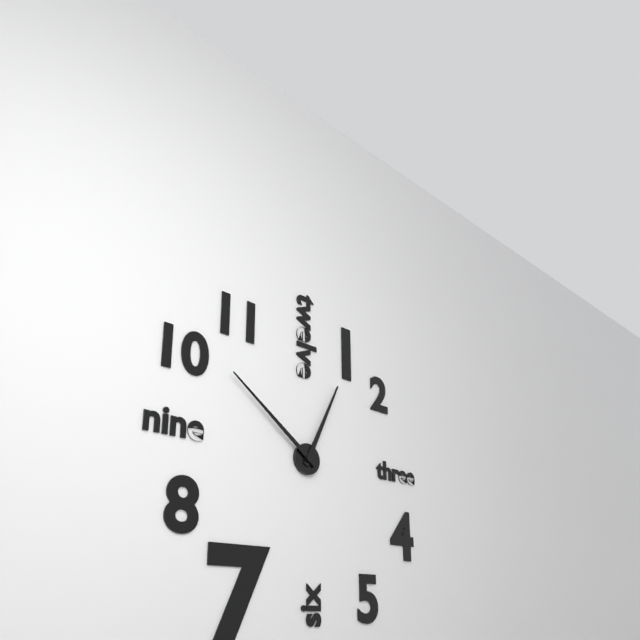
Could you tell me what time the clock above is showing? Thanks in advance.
12:51
